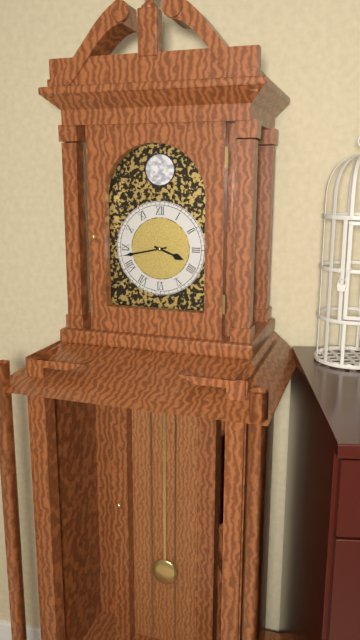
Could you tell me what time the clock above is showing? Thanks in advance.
3:43
